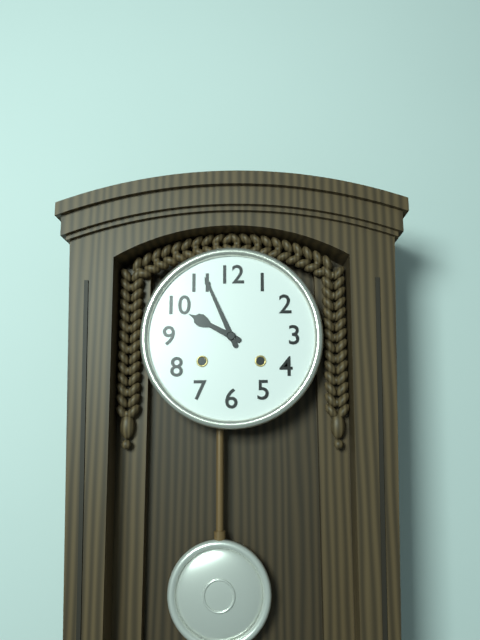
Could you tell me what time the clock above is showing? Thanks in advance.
9:56
